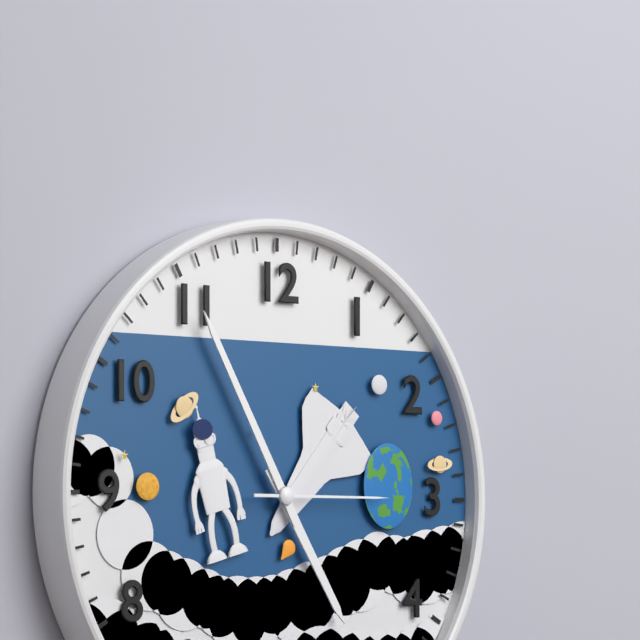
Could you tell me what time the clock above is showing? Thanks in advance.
4:55:15
